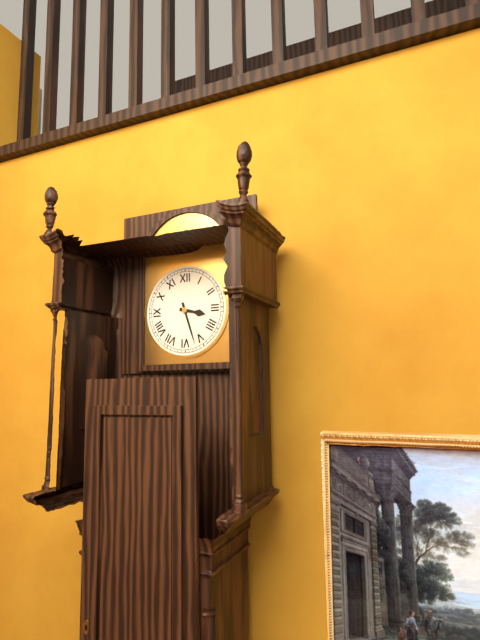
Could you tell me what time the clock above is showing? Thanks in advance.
3:27
